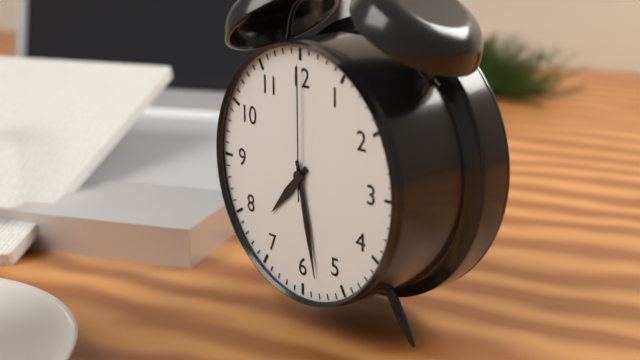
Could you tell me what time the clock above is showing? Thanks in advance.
7:28:00
